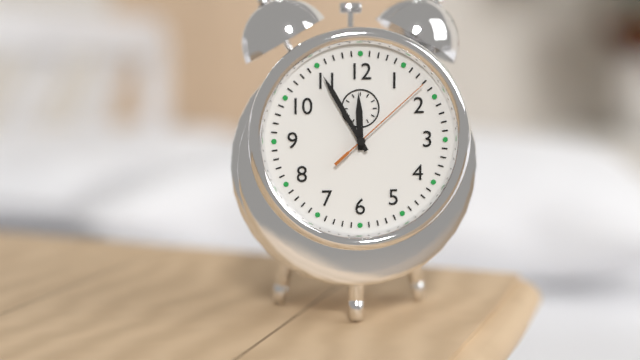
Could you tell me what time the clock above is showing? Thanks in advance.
11:55:08
